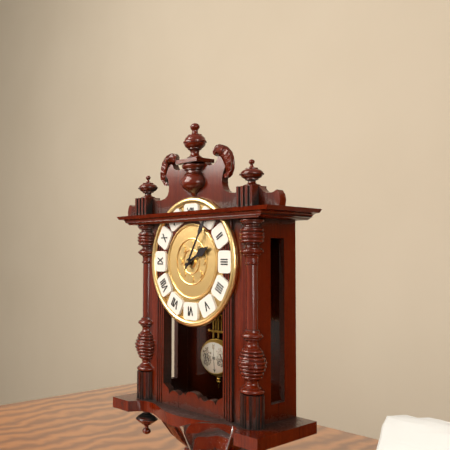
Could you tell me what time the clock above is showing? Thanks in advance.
2:05
